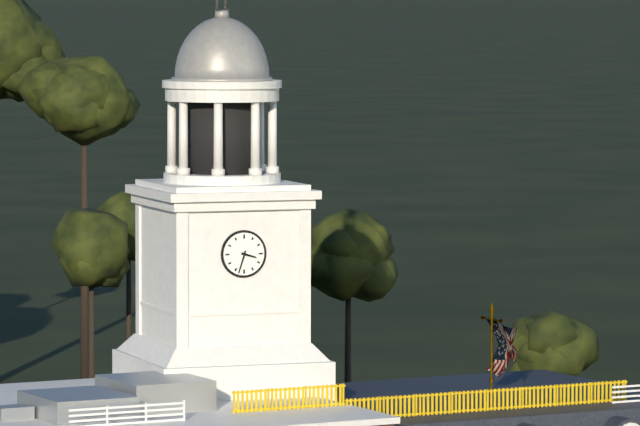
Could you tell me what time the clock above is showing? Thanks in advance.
3:33
